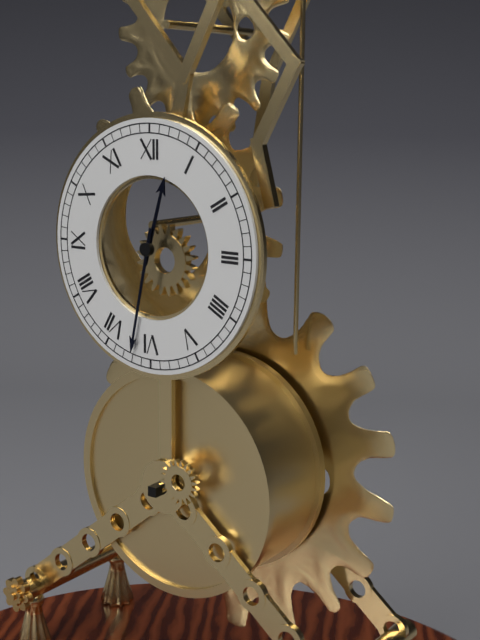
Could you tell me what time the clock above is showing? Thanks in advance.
12:32
